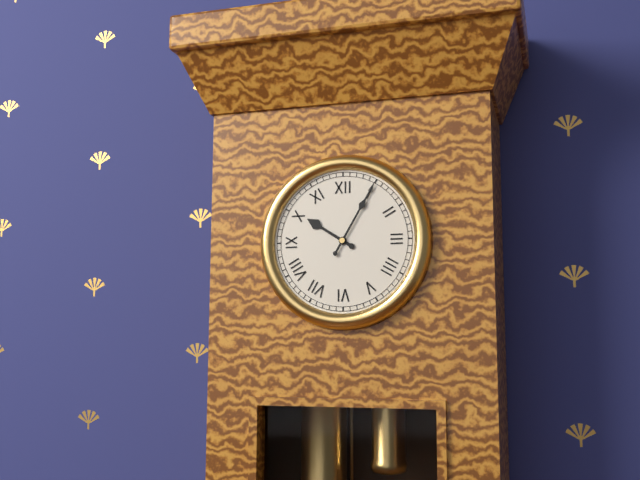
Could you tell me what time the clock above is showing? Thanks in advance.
10:05
